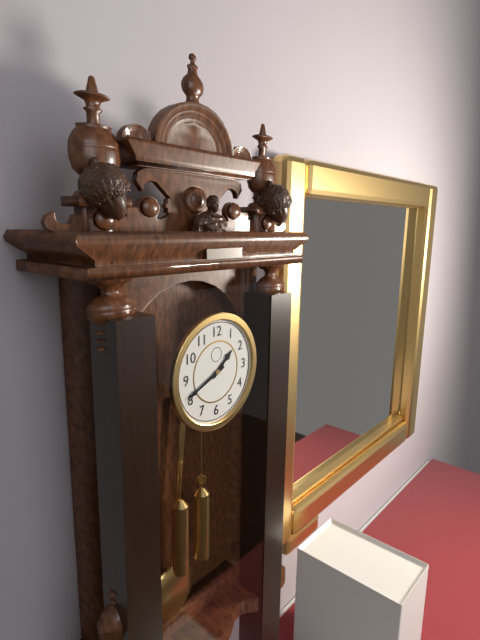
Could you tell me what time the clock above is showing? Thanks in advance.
1:41
